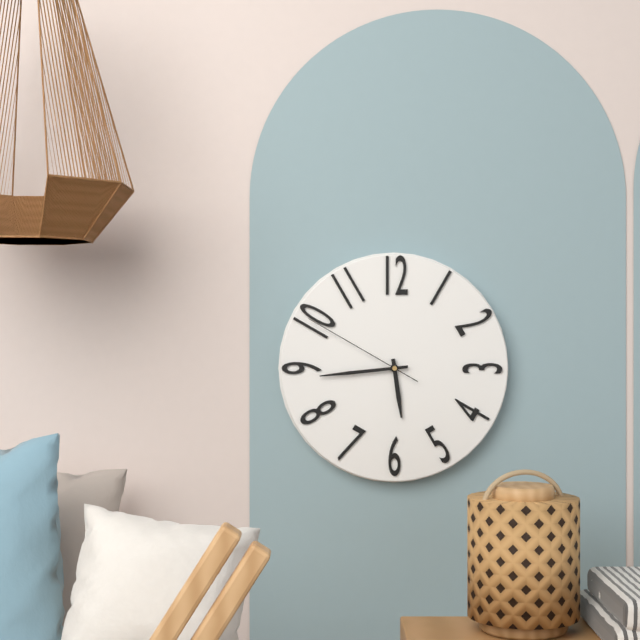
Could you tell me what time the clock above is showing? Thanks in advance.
5:44:50
